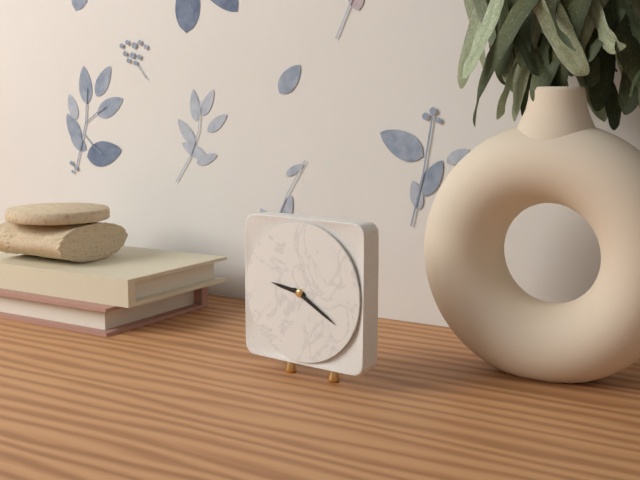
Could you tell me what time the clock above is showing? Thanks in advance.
9:20
